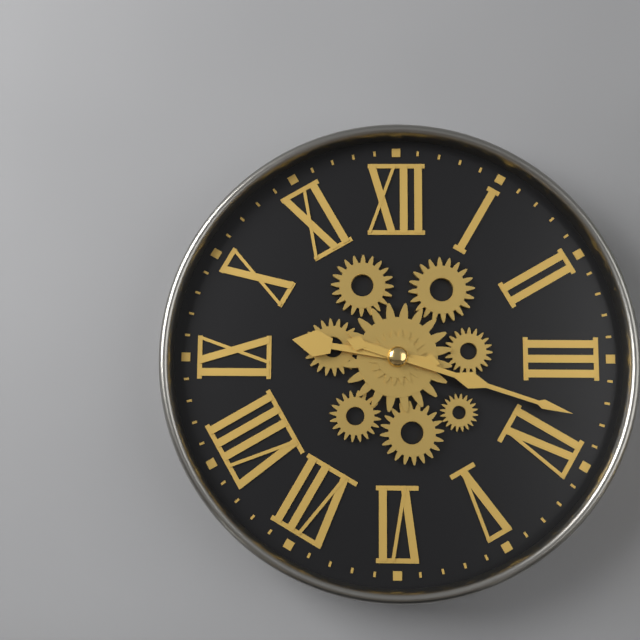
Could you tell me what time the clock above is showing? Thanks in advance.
9:18
